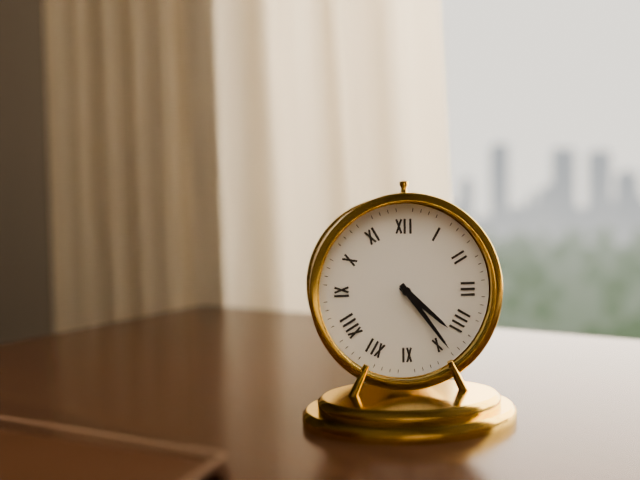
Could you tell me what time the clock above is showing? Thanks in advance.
4:24
